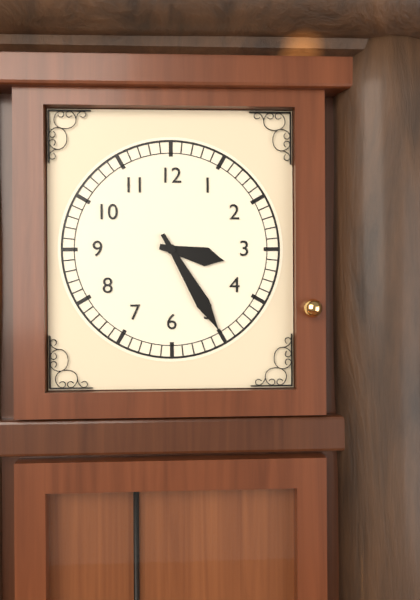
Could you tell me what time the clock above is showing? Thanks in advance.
3:25
